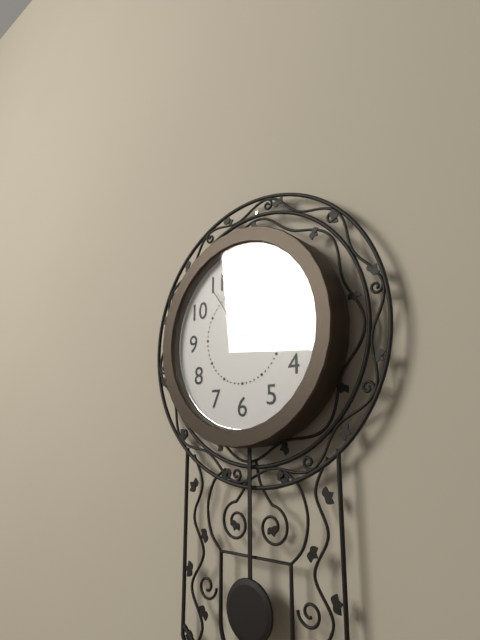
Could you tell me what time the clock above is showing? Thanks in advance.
1:14:54
